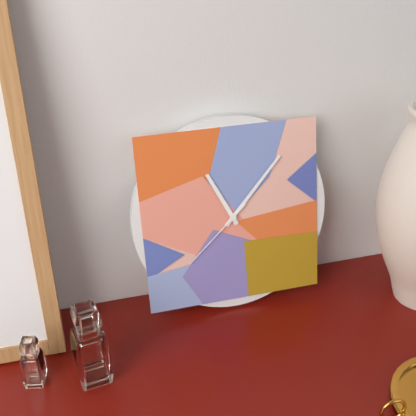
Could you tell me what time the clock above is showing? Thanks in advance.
11:07:38
